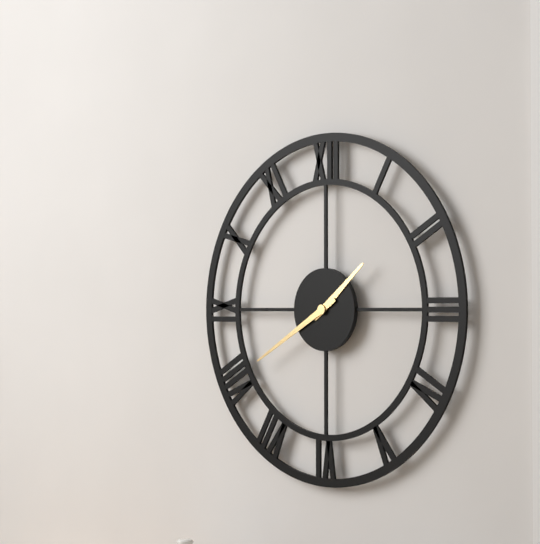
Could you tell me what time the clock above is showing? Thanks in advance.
1:40
